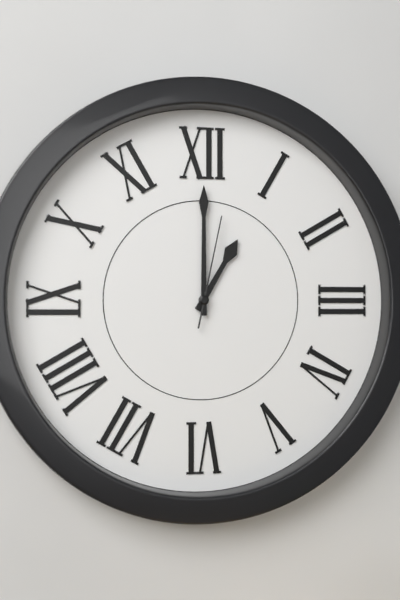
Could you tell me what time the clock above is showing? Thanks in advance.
1:00:02
